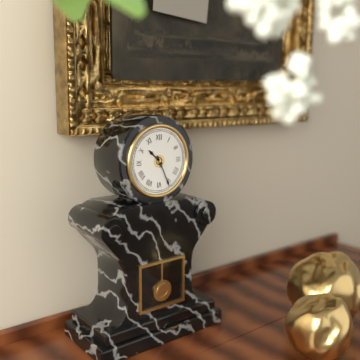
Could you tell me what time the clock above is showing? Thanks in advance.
10:26
